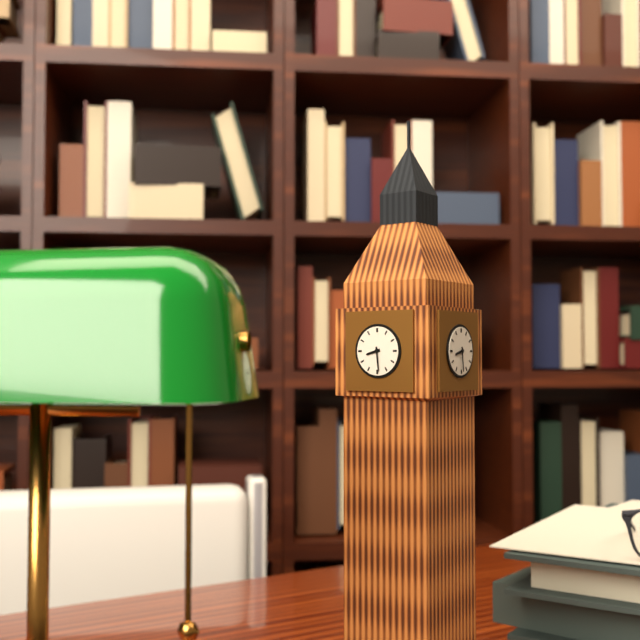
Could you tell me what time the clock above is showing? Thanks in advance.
8:29
